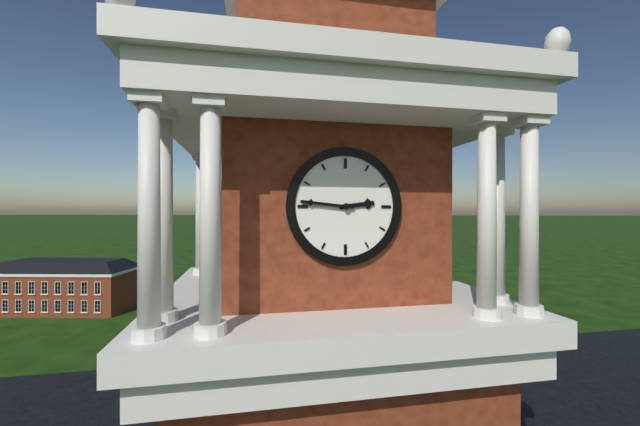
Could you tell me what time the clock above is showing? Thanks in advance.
2:46
